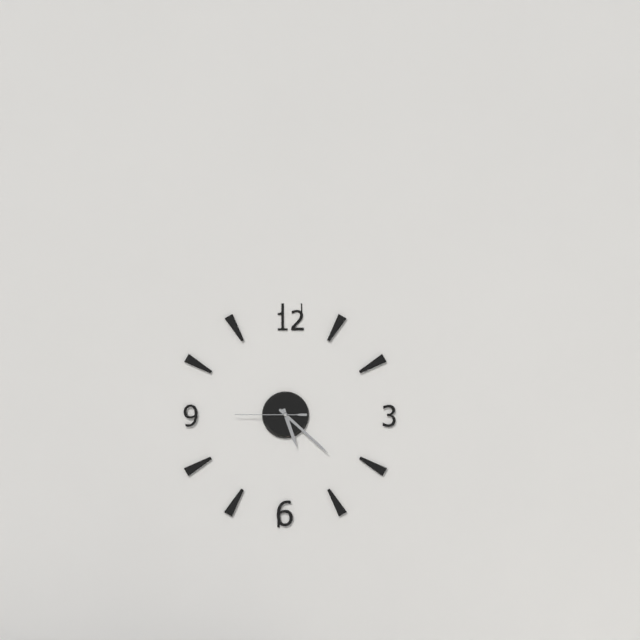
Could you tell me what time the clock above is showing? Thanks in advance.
5:22:45
